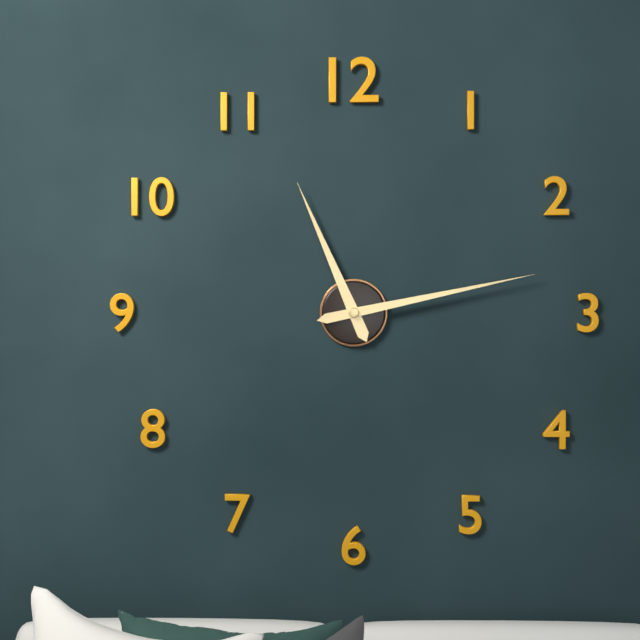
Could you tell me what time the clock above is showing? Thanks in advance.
11:13
